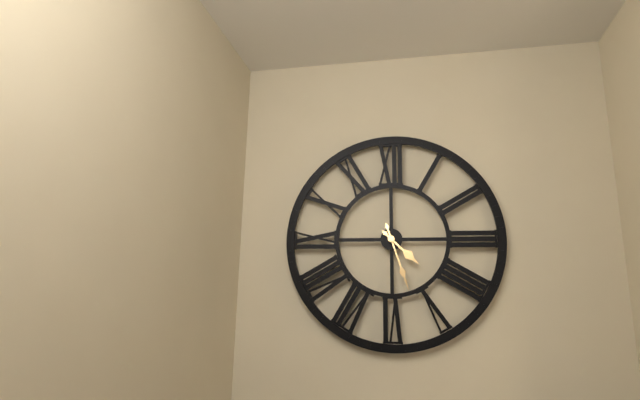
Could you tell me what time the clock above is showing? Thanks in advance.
4:27
